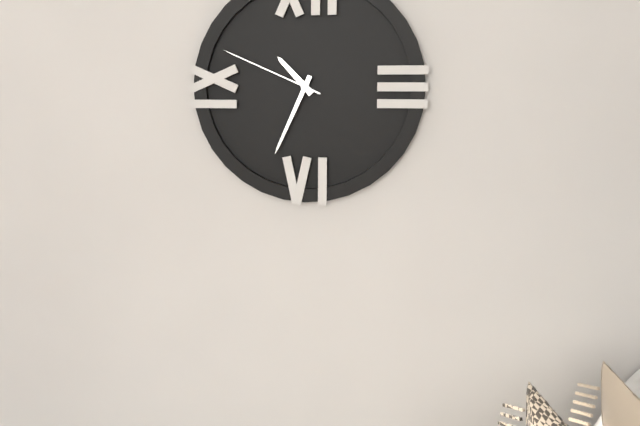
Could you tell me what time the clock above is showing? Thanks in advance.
10:34:49
